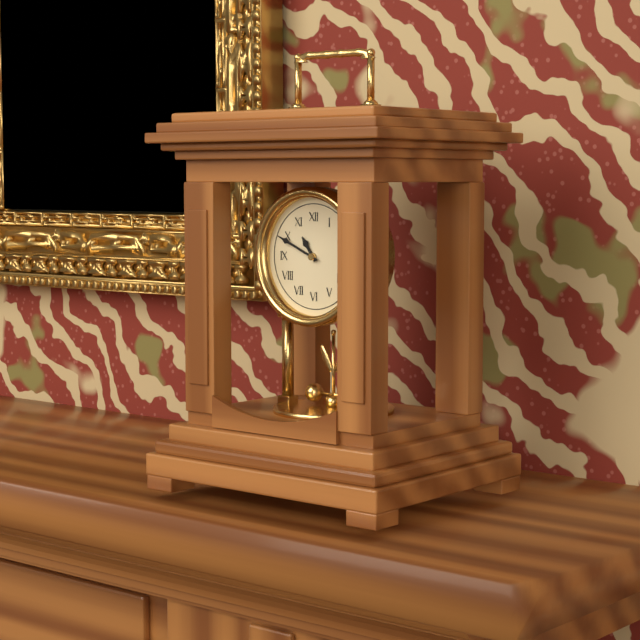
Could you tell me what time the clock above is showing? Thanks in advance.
10:49
